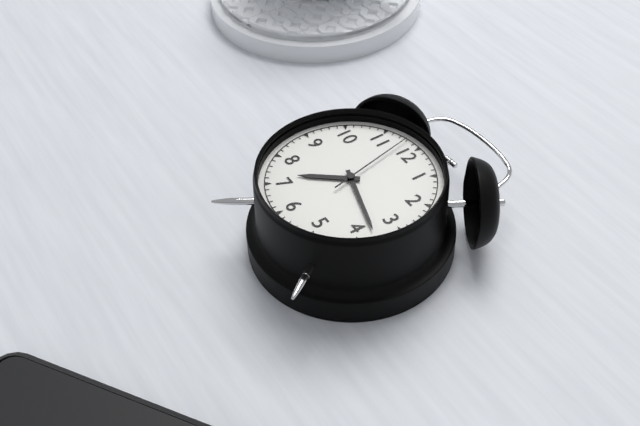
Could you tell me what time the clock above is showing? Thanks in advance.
7:18:58
